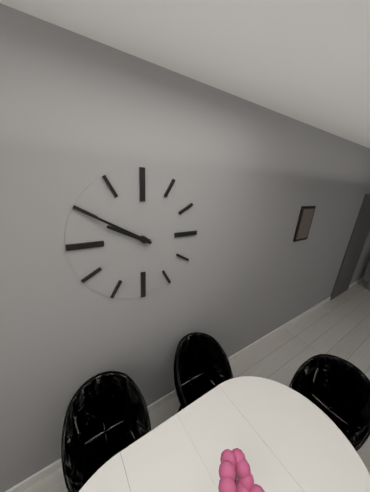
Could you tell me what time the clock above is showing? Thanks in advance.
9:50
